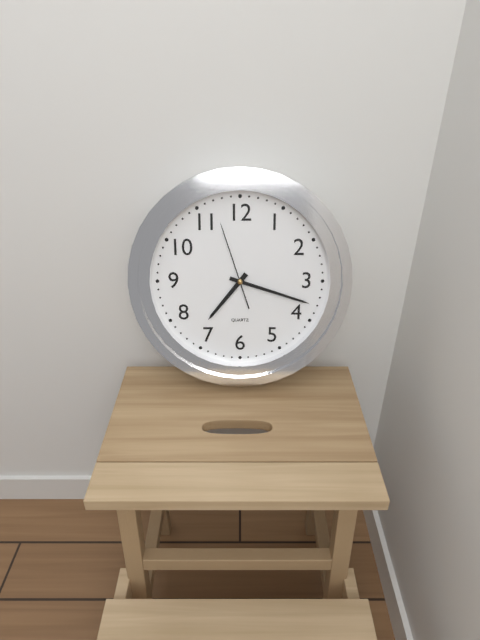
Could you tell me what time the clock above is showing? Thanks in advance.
7:18:57
